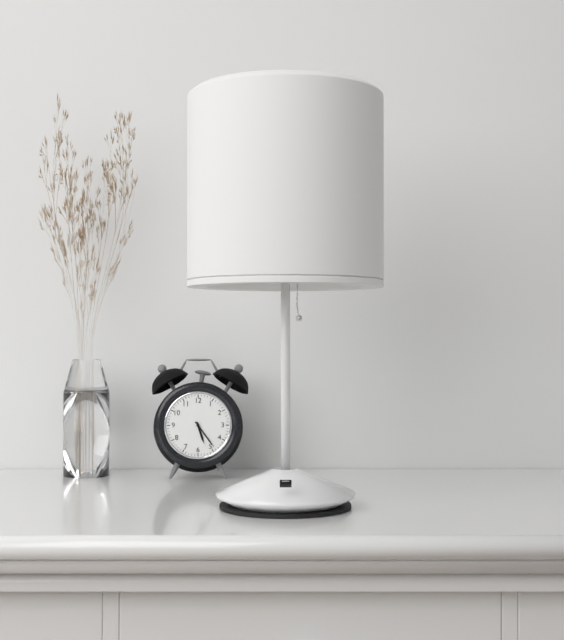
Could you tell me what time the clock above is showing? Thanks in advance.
5:24
